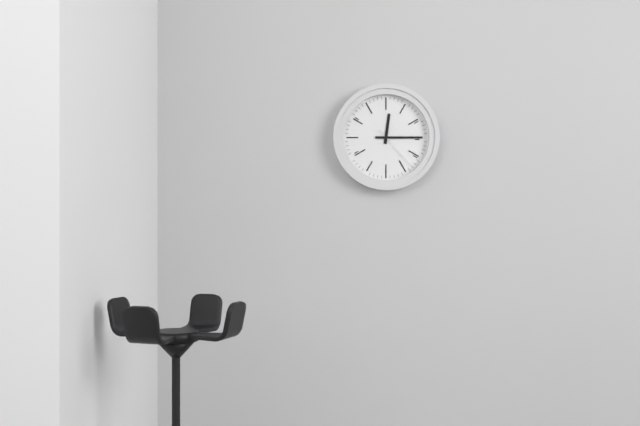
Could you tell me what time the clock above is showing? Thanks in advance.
12:15
